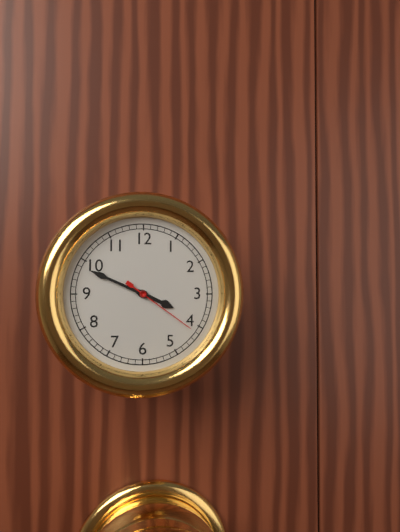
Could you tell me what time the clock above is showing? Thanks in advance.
3:49:21
